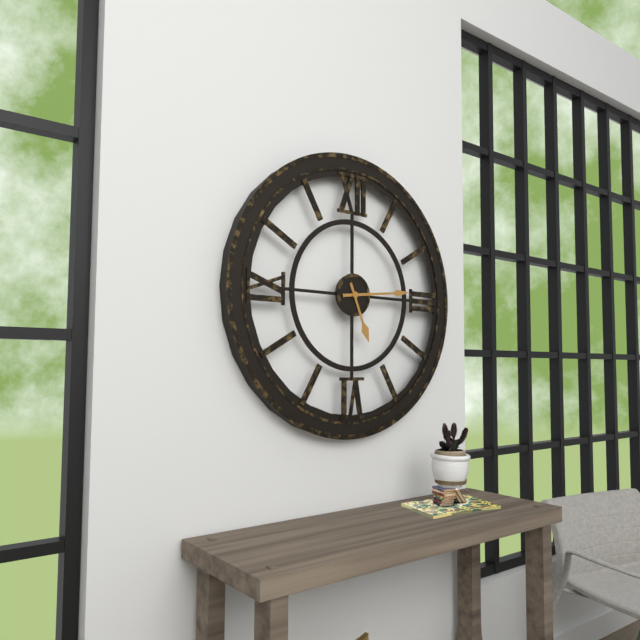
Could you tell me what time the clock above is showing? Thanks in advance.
5:14
